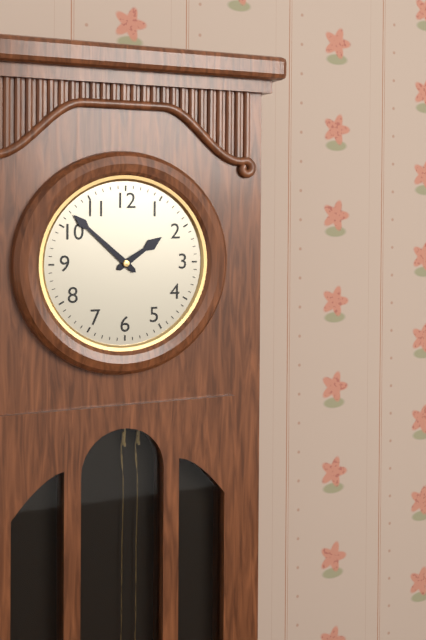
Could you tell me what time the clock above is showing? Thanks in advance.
1:52
